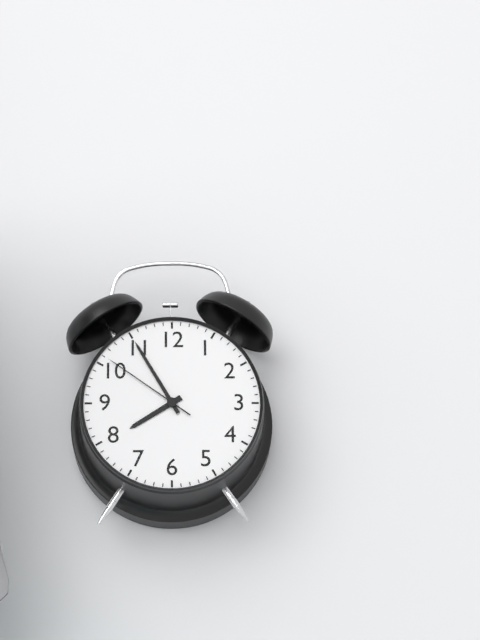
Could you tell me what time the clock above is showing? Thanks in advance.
7:55:51
